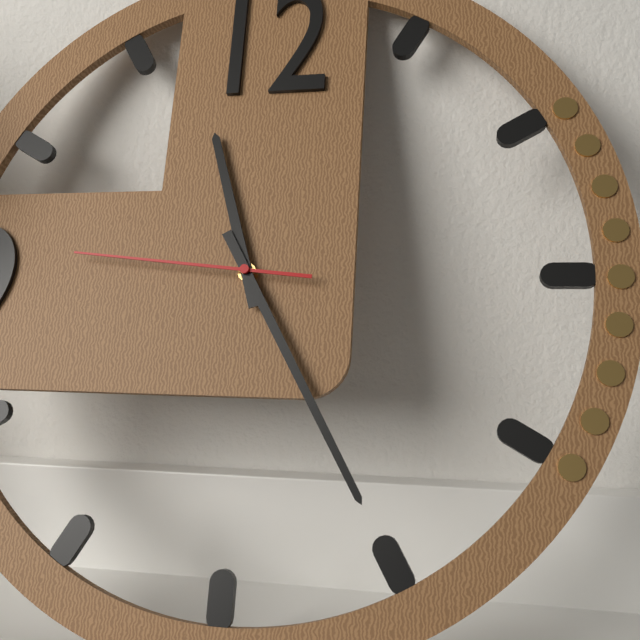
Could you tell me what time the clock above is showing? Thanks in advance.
11:25:46
